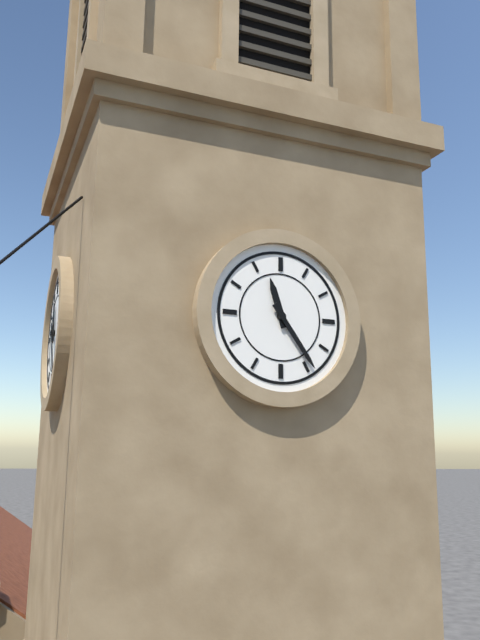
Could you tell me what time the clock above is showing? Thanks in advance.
11:24
